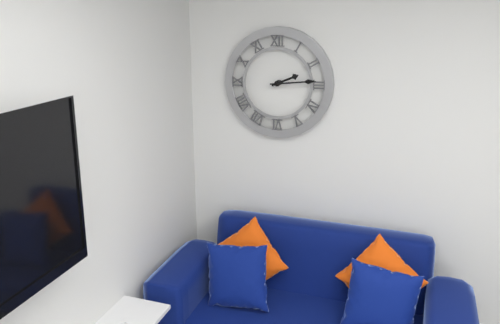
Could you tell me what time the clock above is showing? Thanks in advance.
2:14
